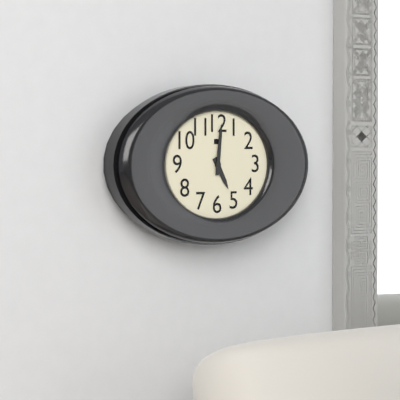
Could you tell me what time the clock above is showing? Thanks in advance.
5:01
